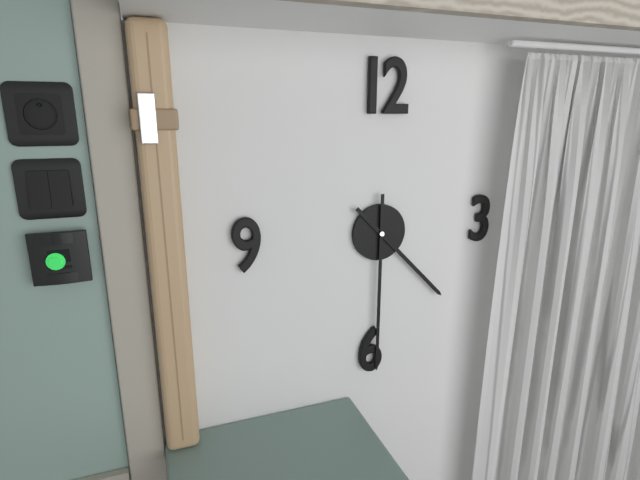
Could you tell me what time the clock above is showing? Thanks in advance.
4:30
